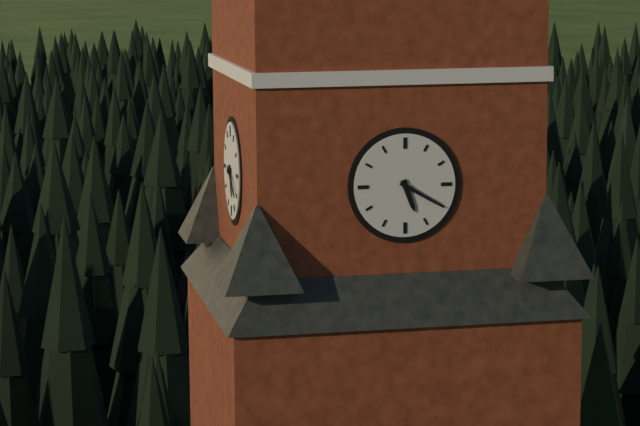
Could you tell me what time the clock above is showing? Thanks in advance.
5:20
